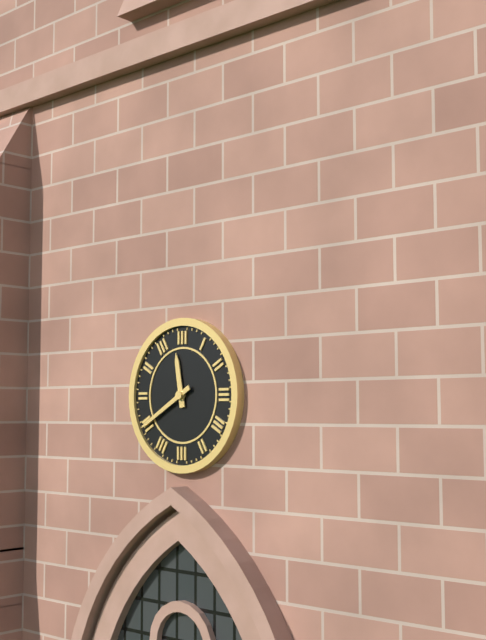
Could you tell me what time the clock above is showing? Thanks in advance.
11:40
